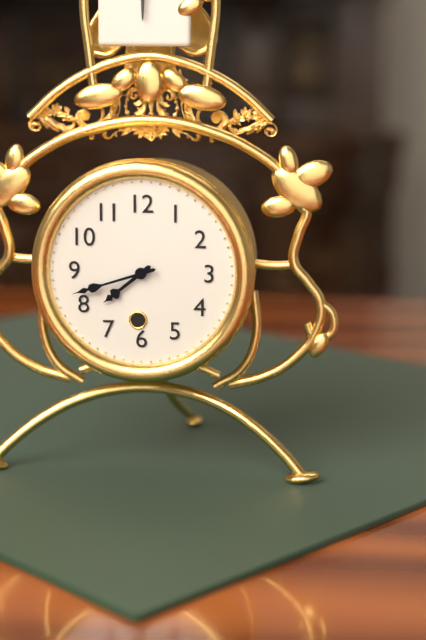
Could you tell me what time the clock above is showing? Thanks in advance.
7:42
